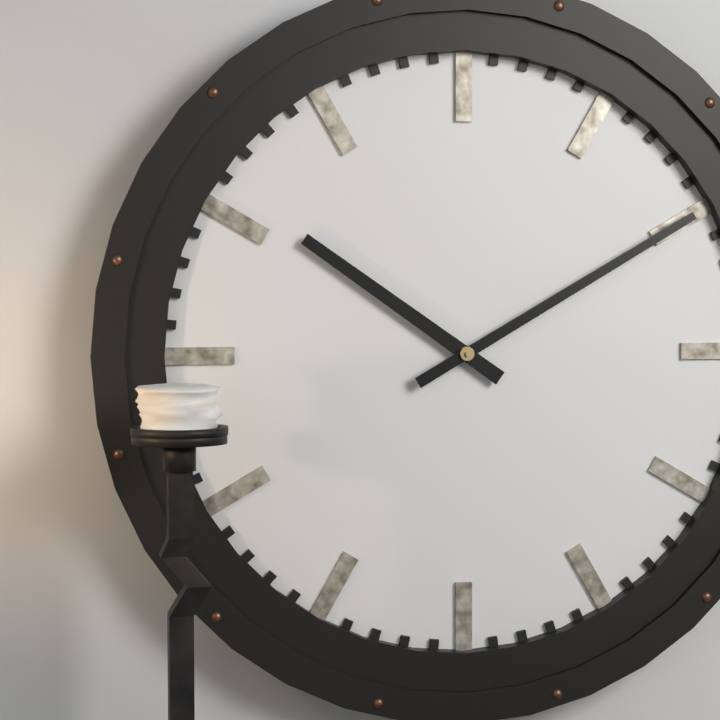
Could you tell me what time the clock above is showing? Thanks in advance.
10:10
